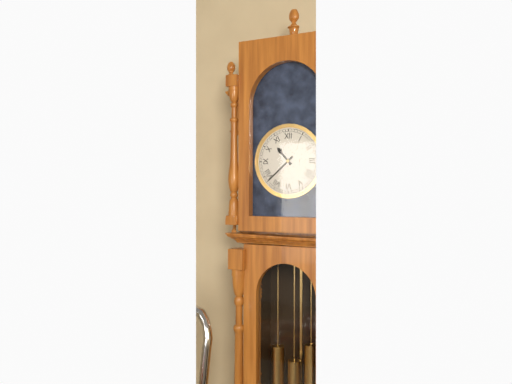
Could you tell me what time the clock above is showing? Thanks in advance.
10:38
